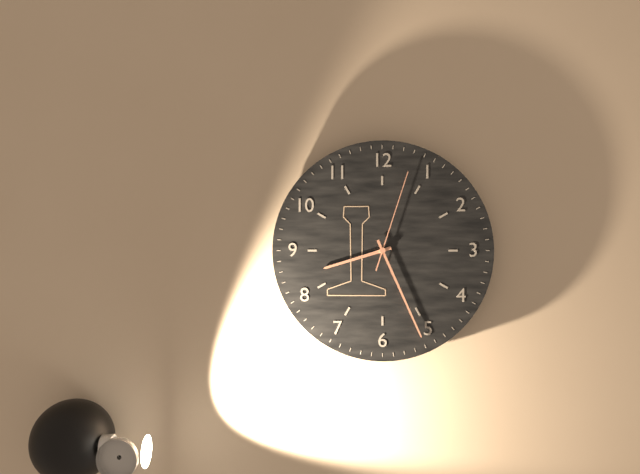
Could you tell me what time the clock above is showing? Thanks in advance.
8:26:03
